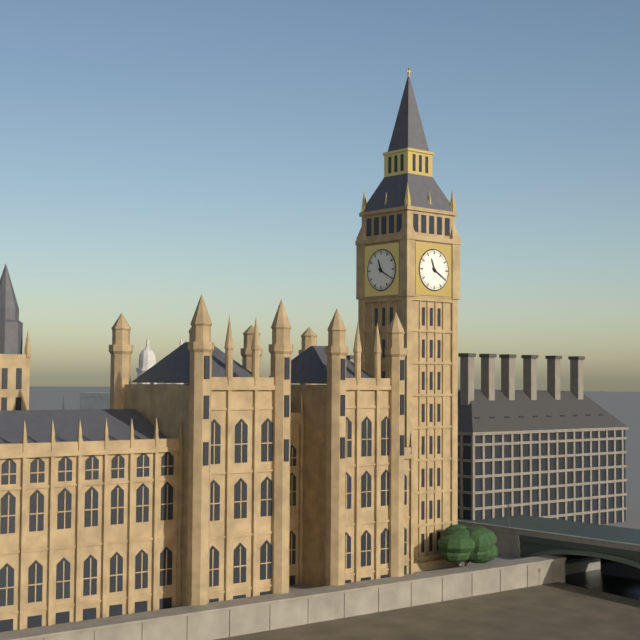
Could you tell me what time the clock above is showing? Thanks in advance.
11:20
